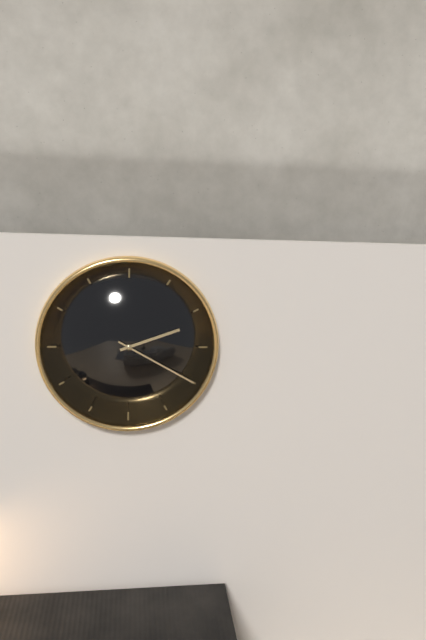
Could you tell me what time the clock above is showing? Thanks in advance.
2:20
